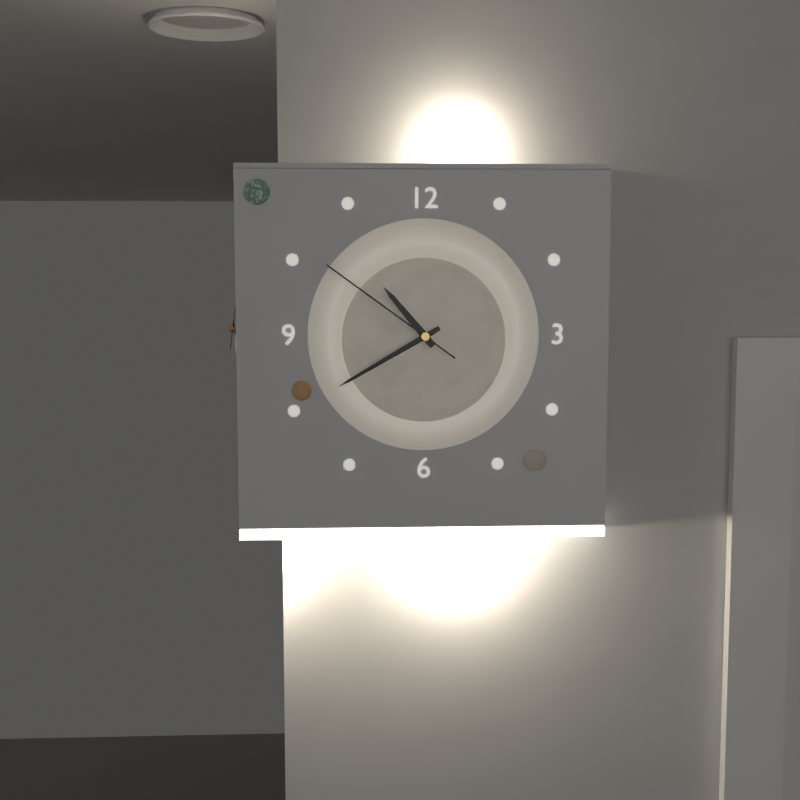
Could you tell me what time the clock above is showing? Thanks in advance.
10:40:51
